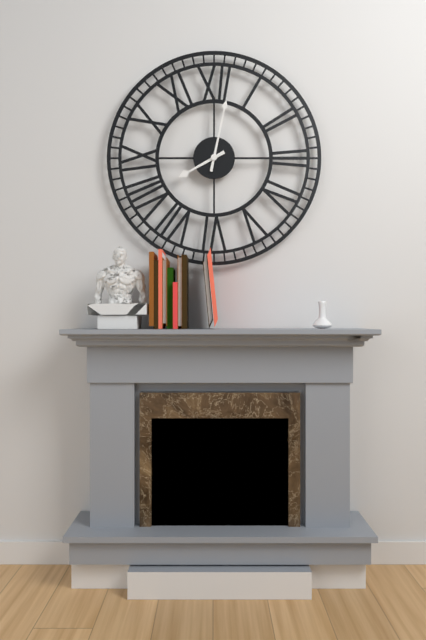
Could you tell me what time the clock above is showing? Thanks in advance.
8:02
